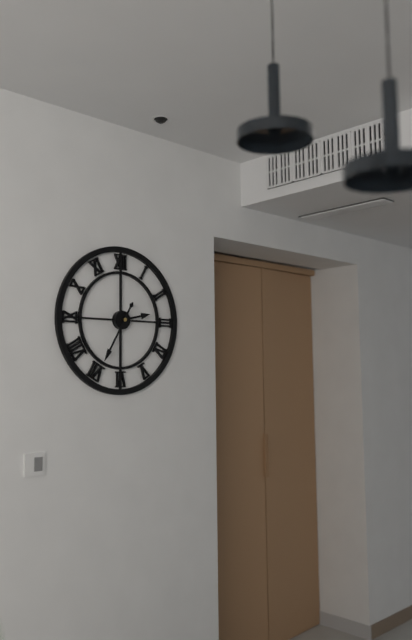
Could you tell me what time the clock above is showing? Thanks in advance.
2:35
